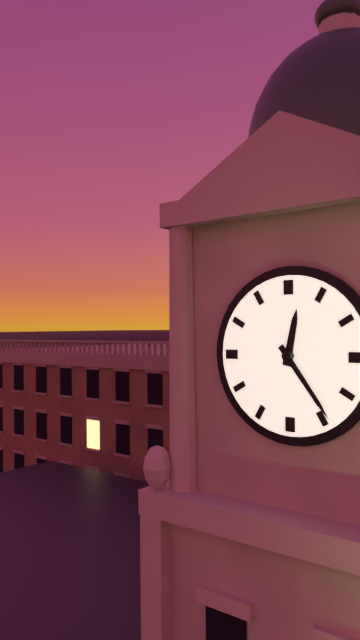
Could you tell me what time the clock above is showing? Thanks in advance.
12:24
